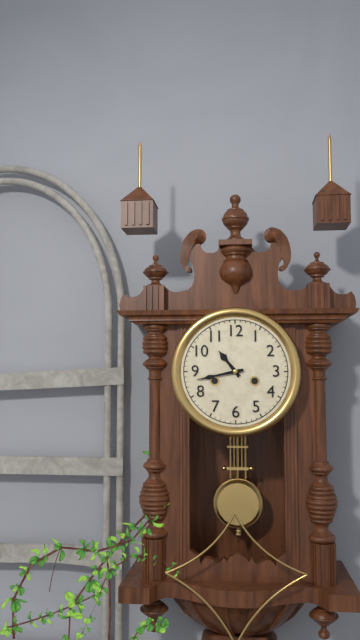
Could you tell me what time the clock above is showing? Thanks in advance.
10:43
